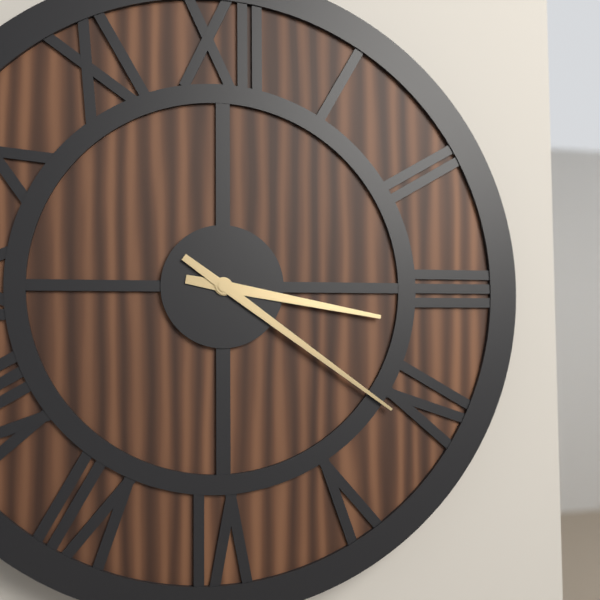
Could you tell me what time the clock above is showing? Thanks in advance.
3:21
